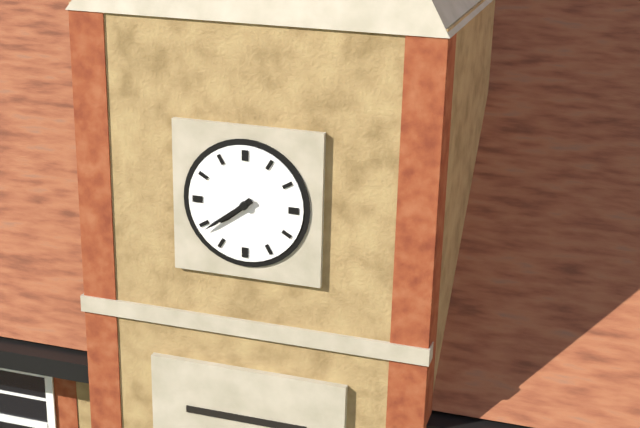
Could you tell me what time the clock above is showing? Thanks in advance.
7:39
